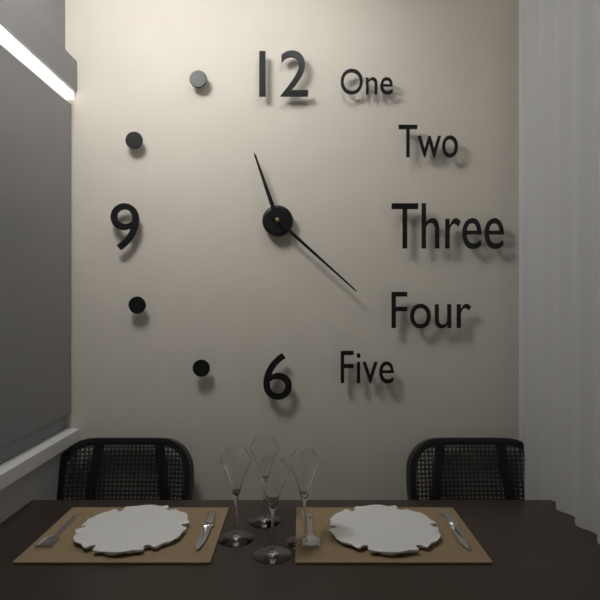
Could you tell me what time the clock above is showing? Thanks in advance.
11:22
